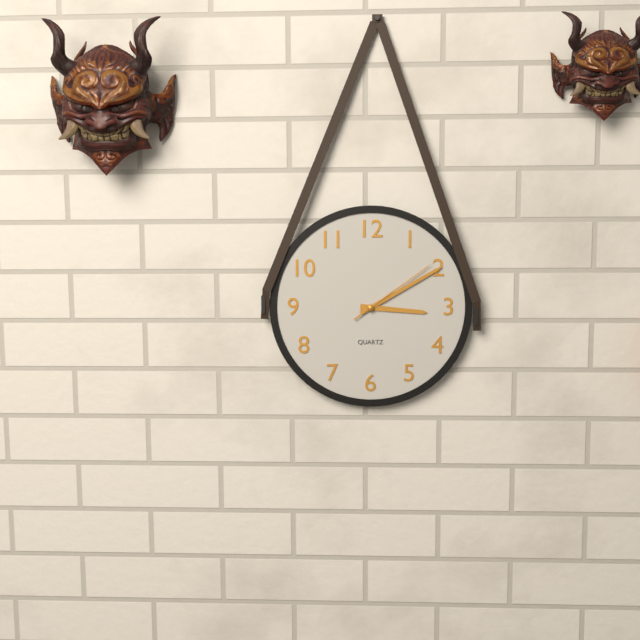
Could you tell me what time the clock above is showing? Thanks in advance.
3:10:09
